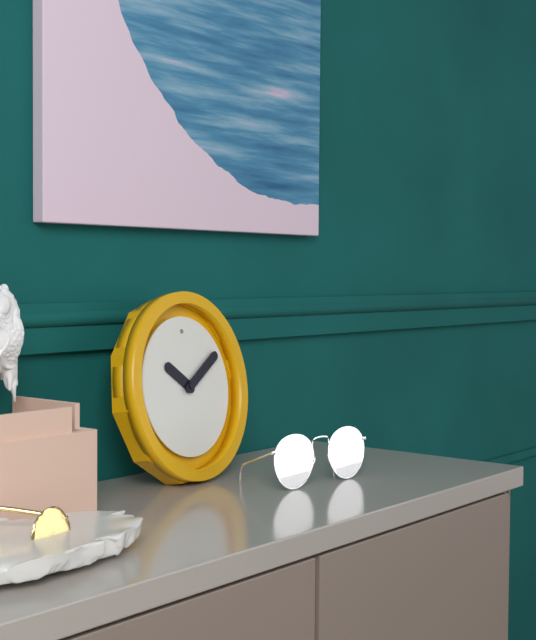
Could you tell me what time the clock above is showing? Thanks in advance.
10:10
